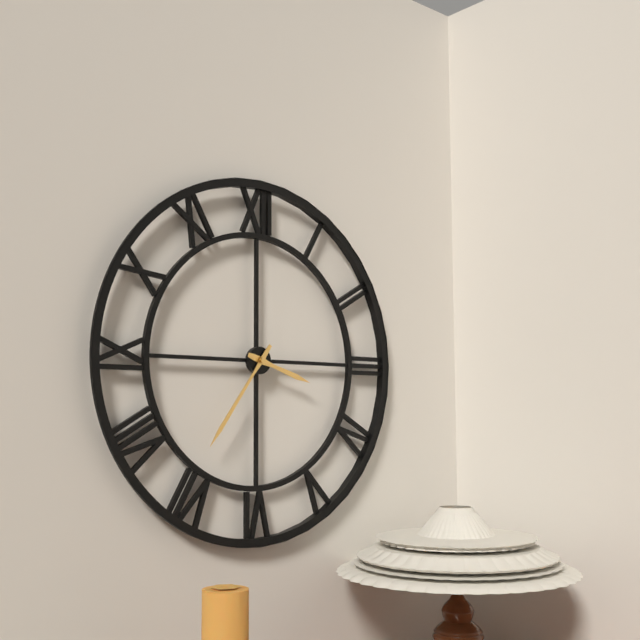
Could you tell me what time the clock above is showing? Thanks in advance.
3:36
